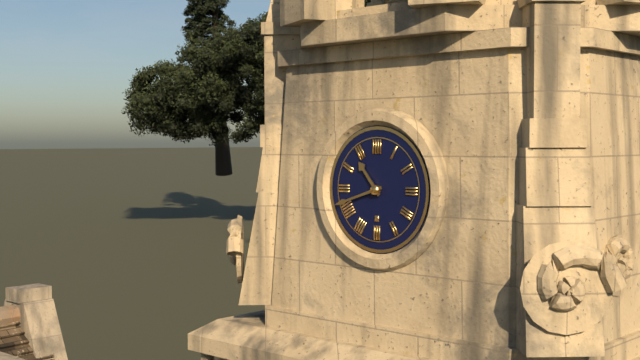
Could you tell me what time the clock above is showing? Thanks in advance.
10:42
